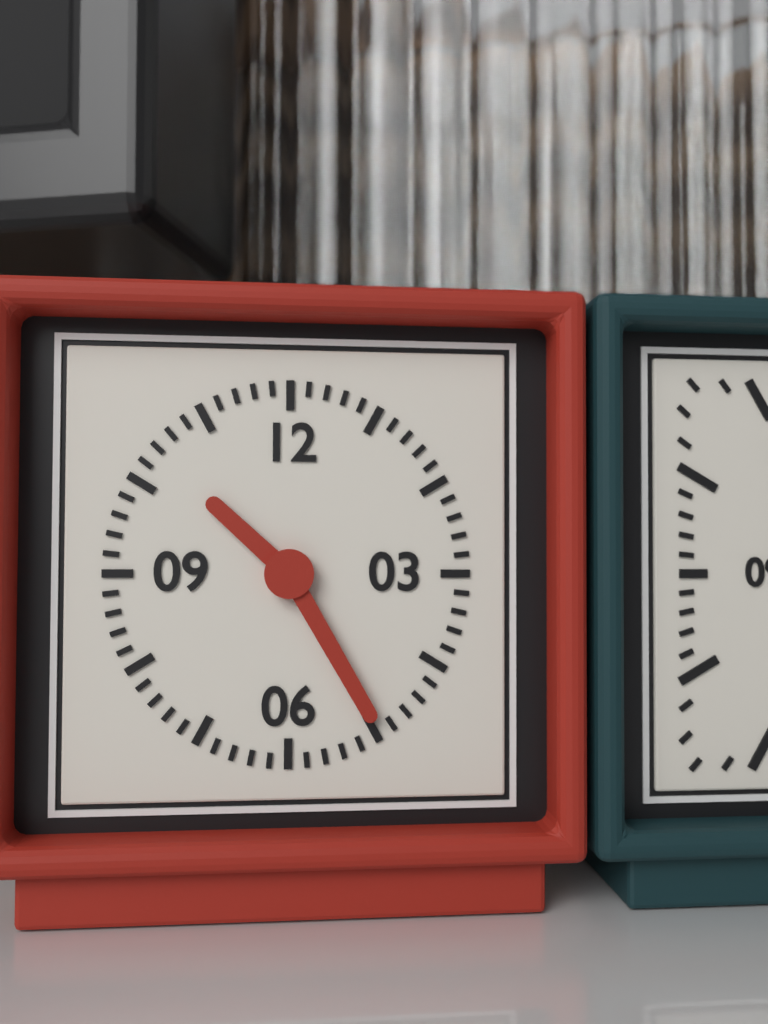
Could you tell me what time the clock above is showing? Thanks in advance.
10:25
